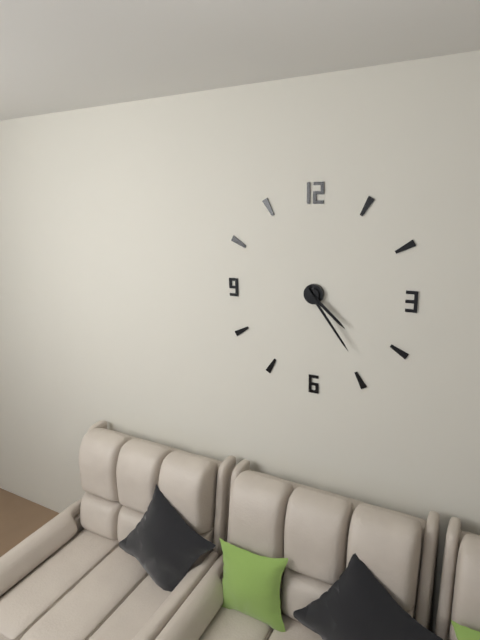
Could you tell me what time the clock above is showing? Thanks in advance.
4:24
